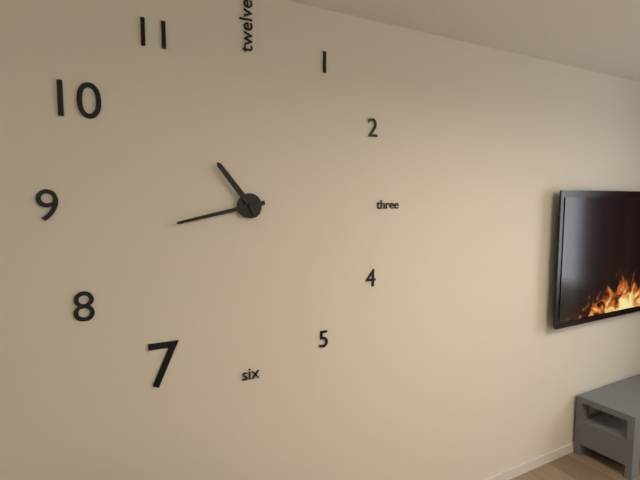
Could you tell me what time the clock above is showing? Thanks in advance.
10:43
